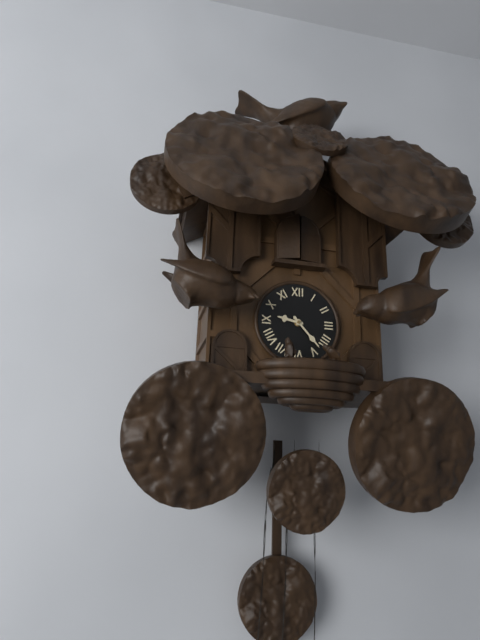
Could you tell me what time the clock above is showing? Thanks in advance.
9:23
